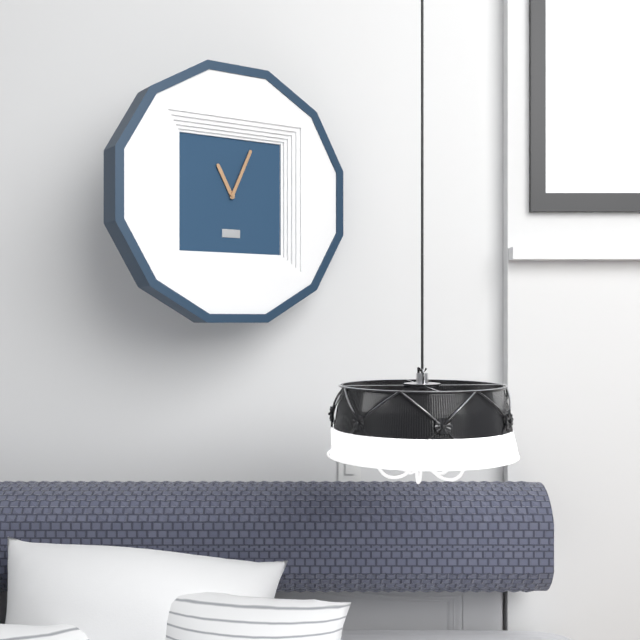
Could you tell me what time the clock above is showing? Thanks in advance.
11:04
